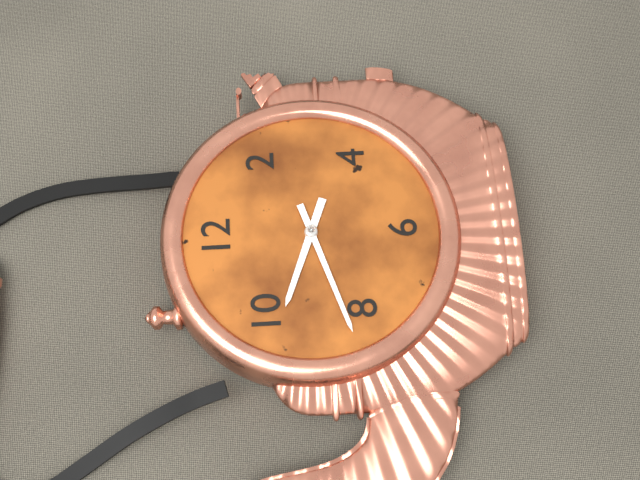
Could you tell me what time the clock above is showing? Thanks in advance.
9:42
